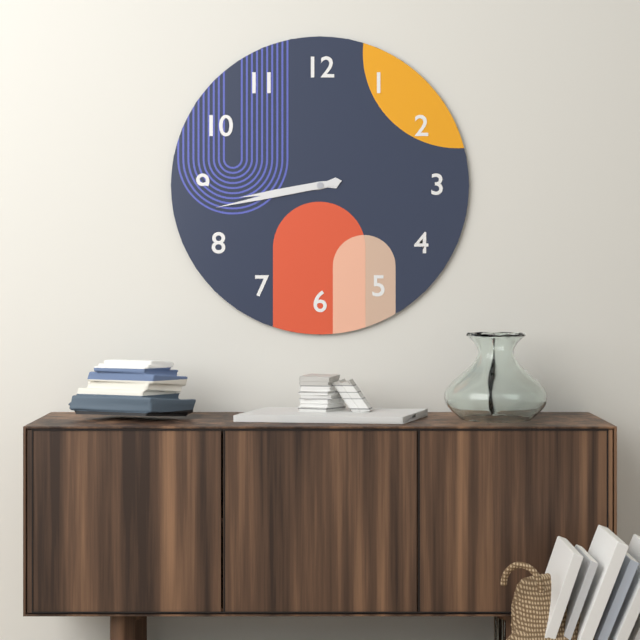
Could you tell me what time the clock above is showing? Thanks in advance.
8:43
